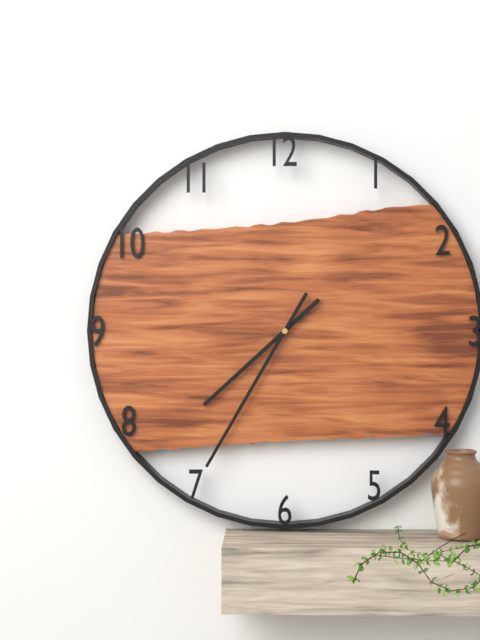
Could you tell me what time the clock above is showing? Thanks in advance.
7:35
